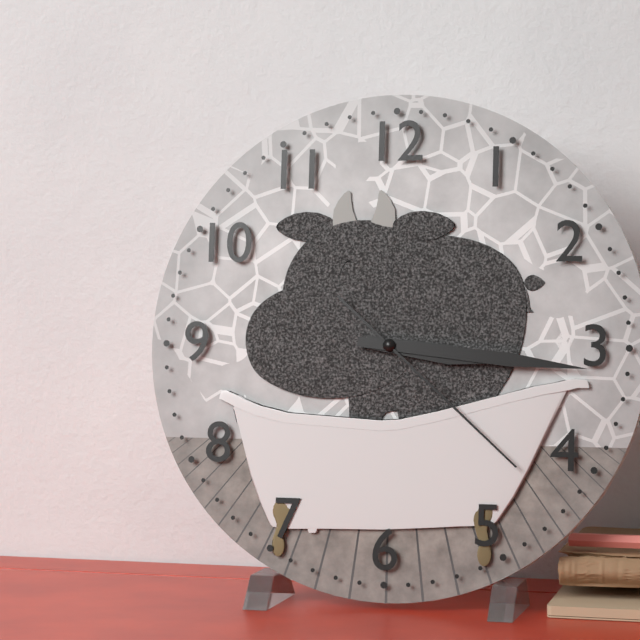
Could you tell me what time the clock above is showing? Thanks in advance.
3:16:22
